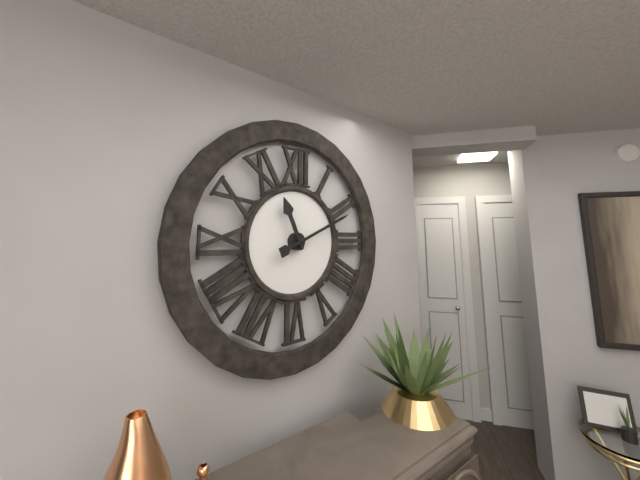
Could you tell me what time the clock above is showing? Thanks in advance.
11:11
